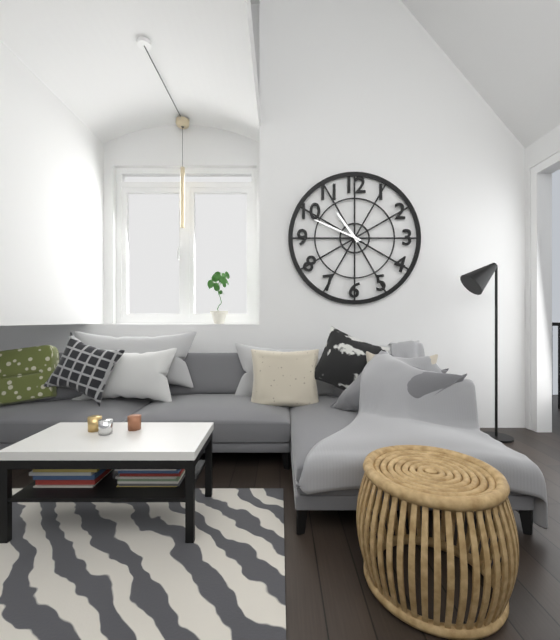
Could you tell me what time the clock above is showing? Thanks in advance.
10:49
